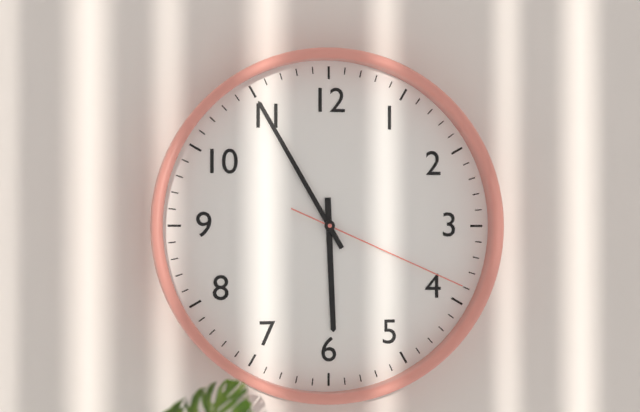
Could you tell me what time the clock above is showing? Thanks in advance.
5:55:19
